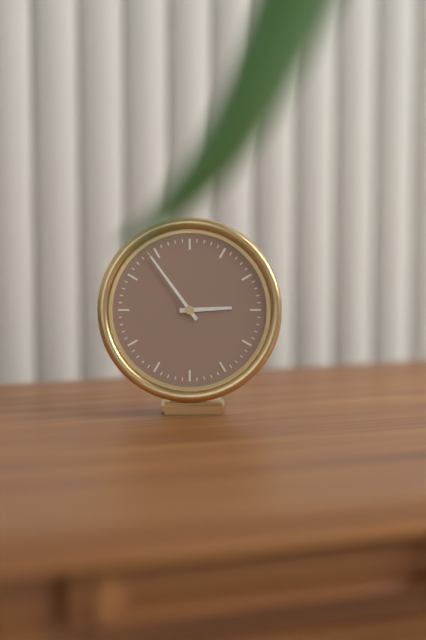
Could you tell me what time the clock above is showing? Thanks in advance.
2:54
